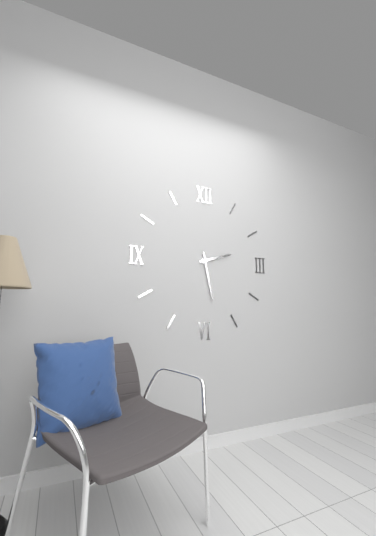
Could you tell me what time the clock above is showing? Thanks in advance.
2:28
